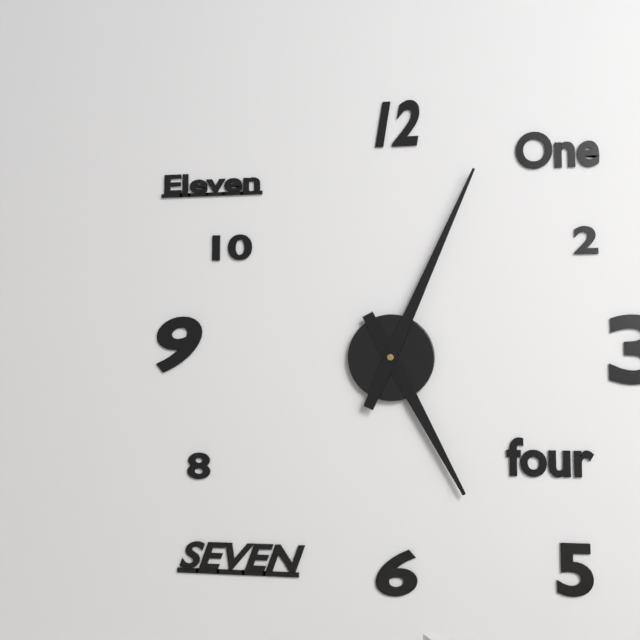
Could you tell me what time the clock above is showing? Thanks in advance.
5:04
